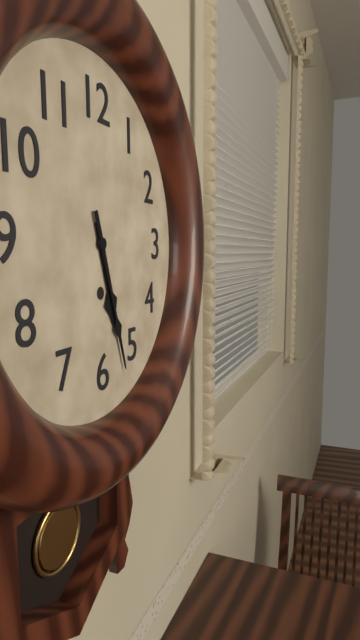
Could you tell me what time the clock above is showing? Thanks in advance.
5:27
